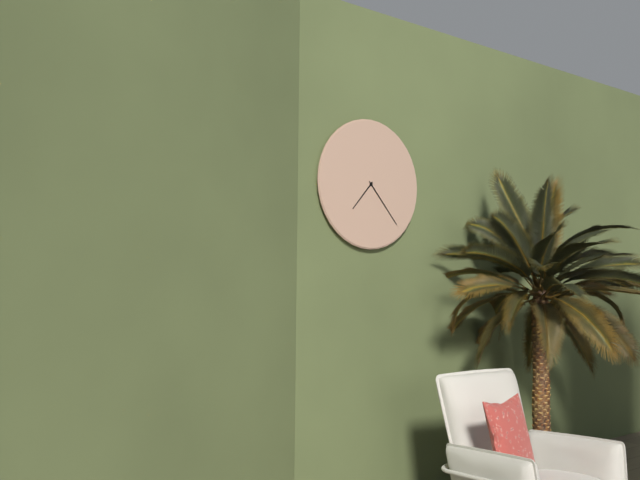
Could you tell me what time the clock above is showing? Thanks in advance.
7:23
